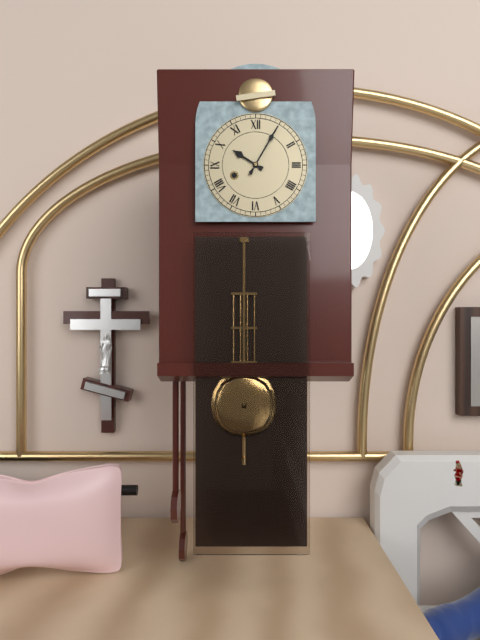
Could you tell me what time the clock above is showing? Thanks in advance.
10:05
